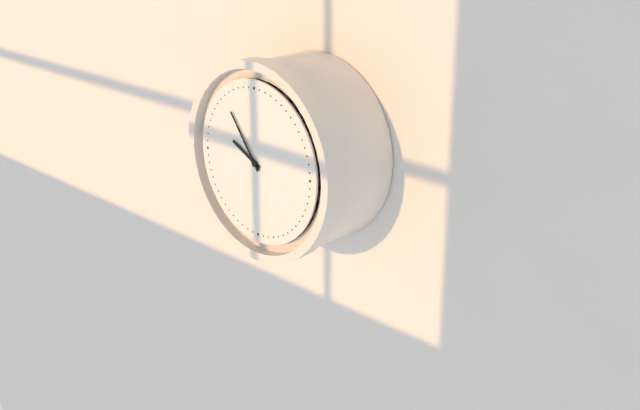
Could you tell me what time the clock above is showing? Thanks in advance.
9:54
